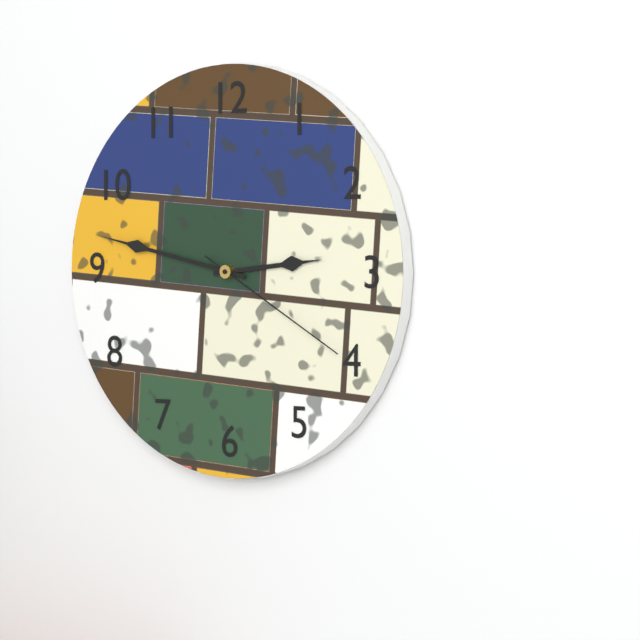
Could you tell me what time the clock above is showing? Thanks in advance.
2:47:20
